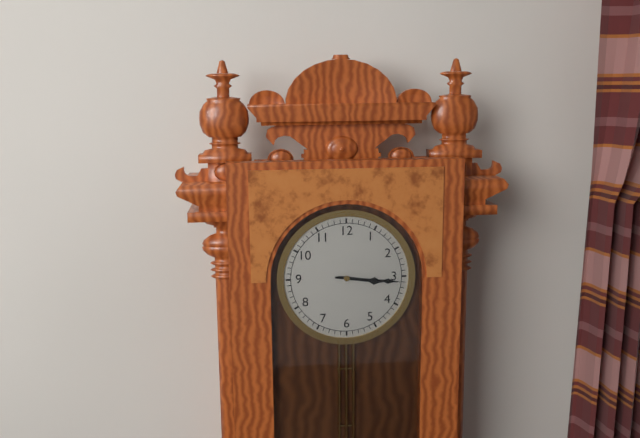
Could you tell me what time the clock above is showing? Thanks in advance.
3:16
